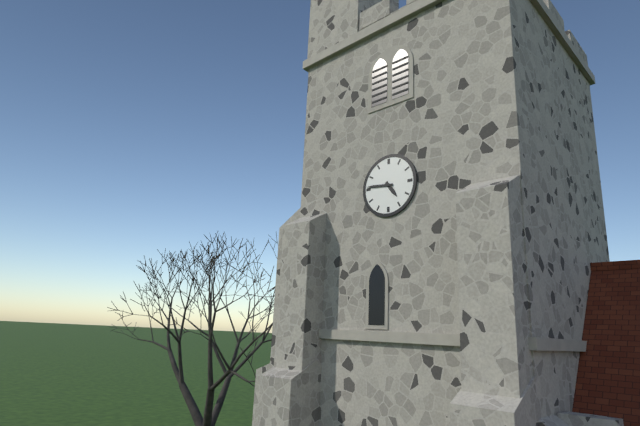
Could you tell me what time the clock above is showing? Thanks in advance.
4:46
